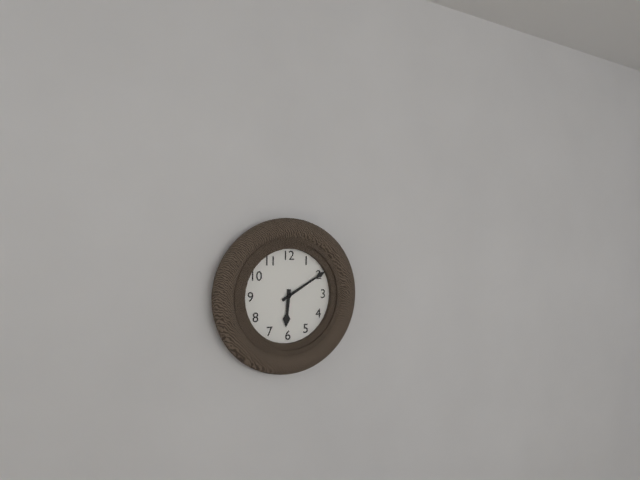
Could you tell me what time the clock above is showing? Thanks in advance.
6:10
